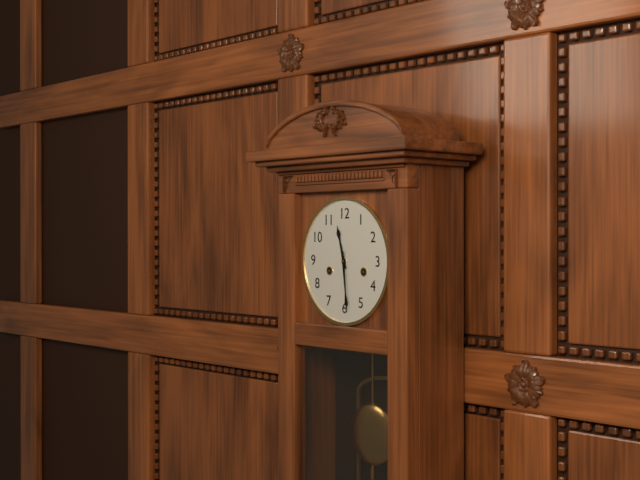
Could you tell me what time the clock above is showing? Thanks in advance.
11:29
